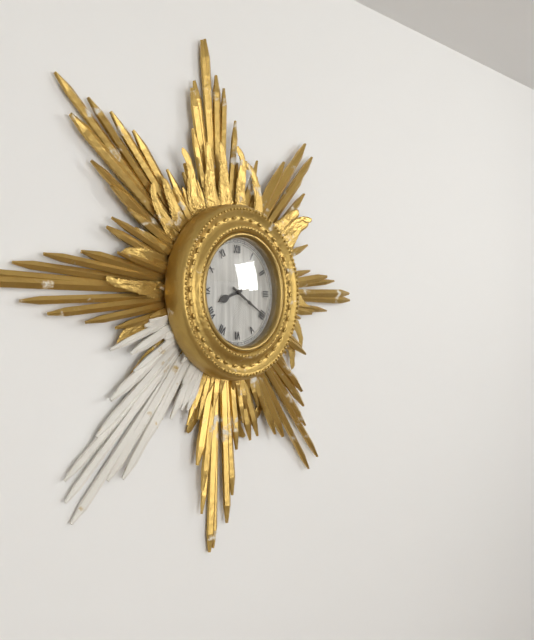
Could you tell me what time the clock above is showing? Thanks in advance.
8:20
